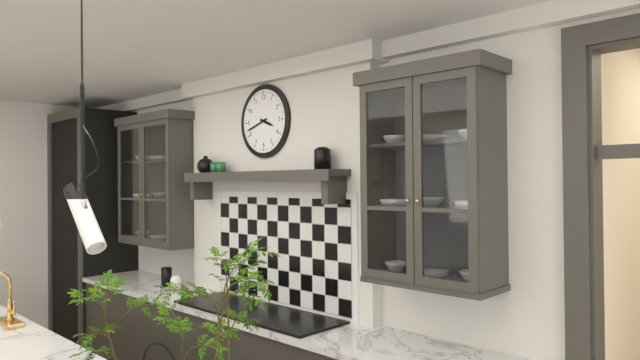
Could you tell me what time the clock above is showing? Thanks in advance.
3:42
